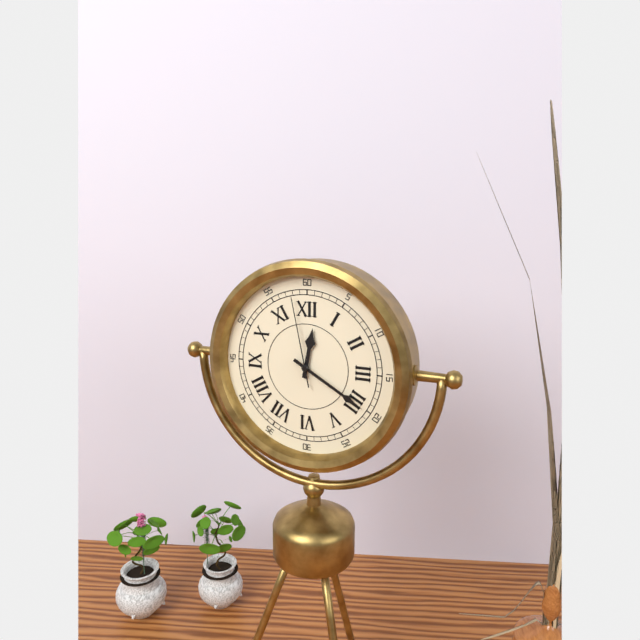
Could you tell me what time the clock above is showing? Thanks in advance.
12:20:58
